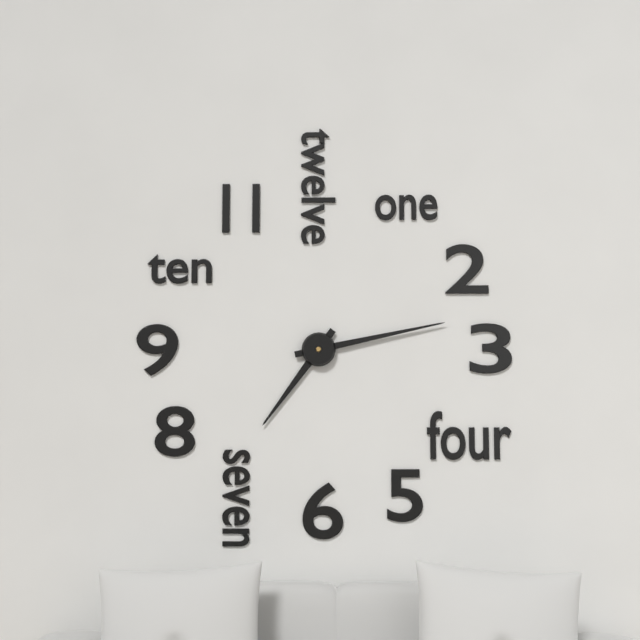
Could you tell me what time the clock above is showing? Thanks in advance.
7:13
